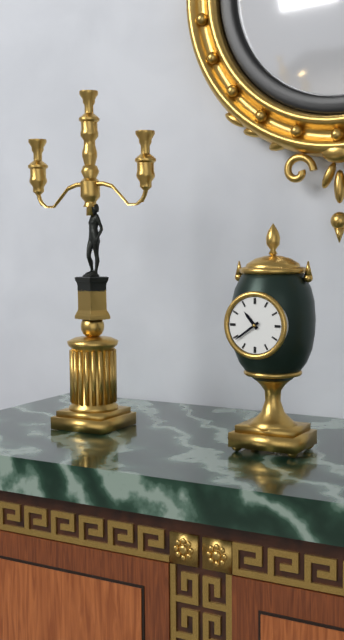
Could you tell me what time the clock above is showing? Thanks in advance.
10:39
